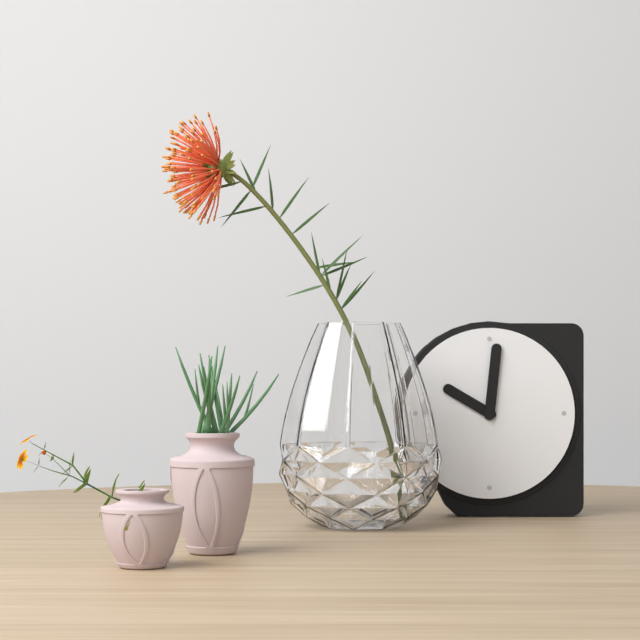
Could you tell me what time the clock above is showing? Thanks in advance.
10:01
